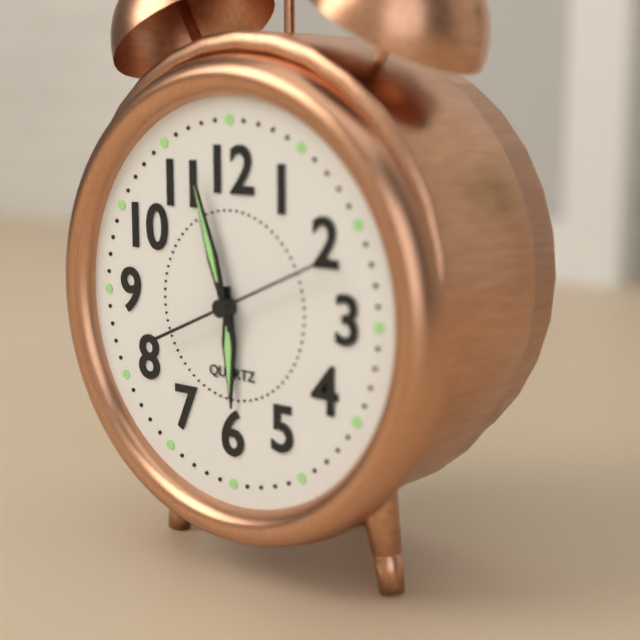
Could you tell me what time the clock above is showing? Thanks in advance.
5:57
